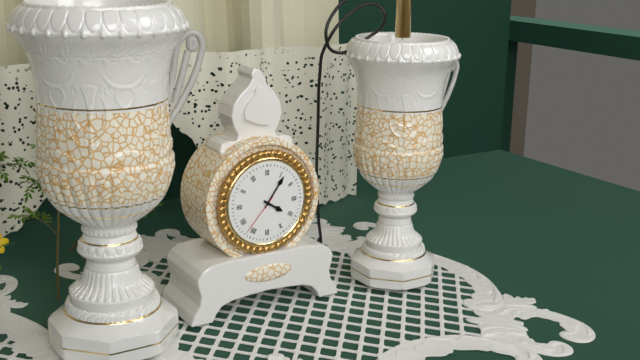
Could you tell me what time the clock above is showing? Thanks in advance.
4:06
